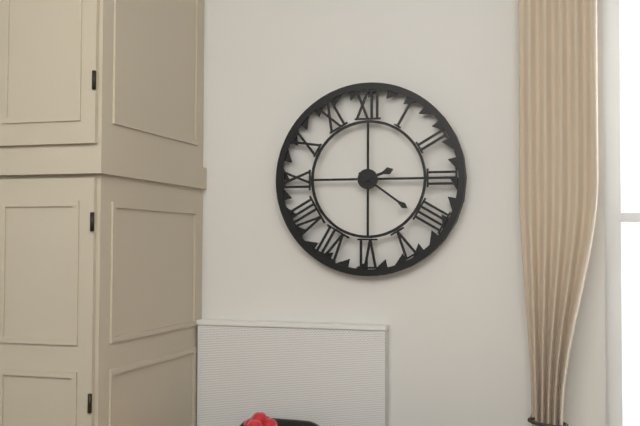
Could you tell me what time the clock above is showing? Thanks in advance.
2:21
